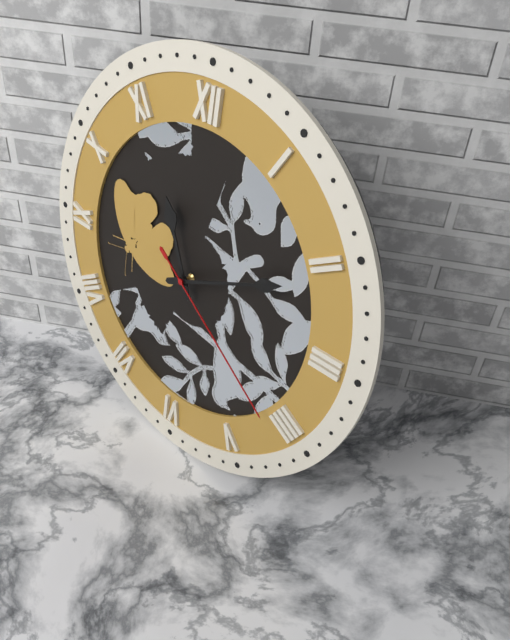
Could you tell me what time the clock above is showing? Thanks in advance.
11:11:21
